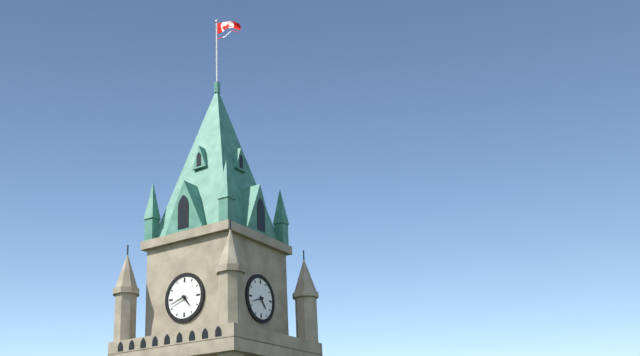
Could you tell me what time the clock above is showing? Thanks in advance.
4:42
